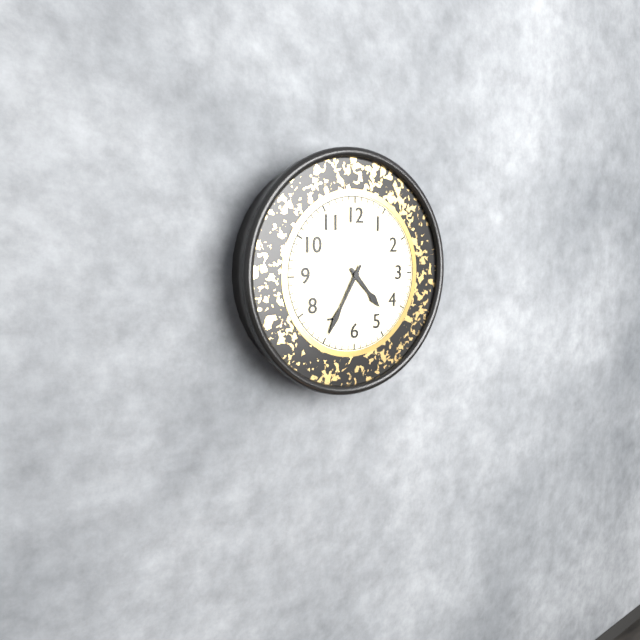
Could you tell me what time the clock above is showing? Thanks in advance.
4:35
